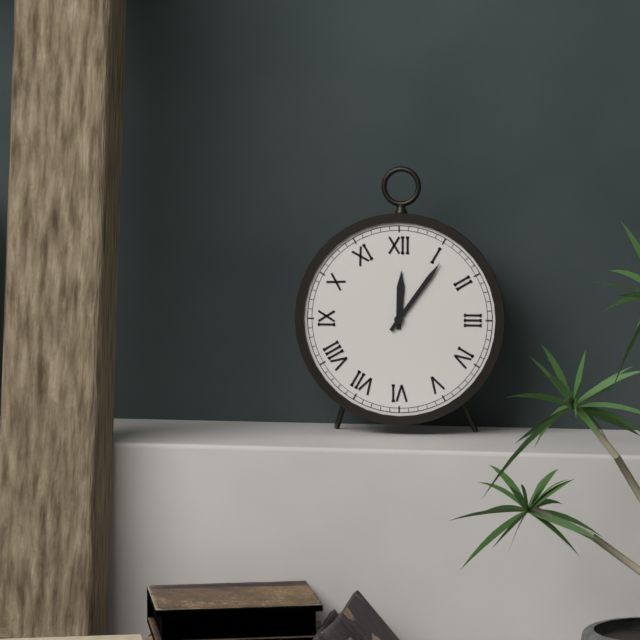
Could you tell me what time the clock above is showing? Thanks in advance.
12:06
